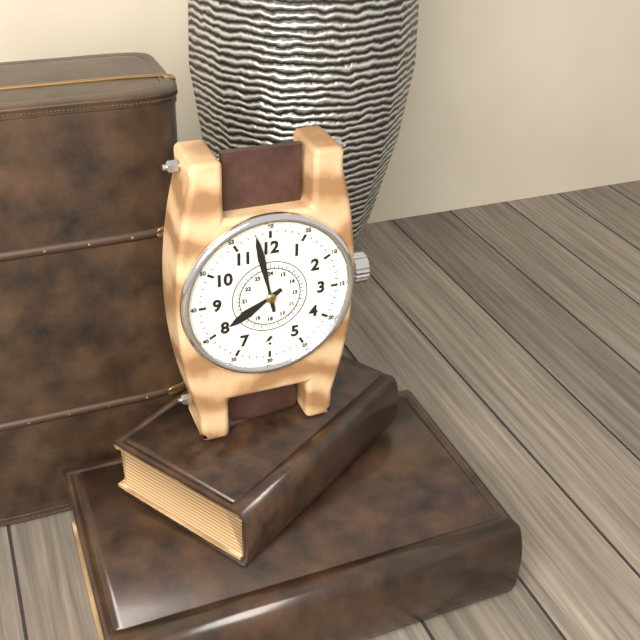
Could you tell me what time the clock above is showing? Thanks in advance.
7:58
